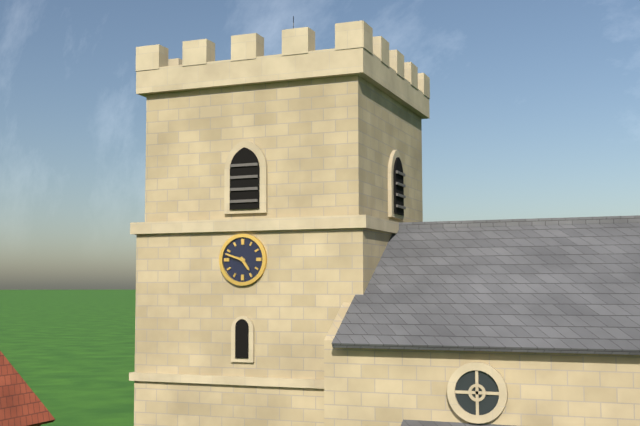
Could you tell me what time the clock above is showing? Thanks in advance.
4:48
